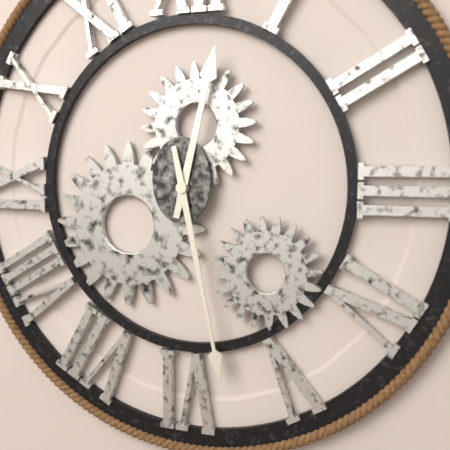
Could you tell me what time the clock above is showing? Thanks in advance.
12:28
